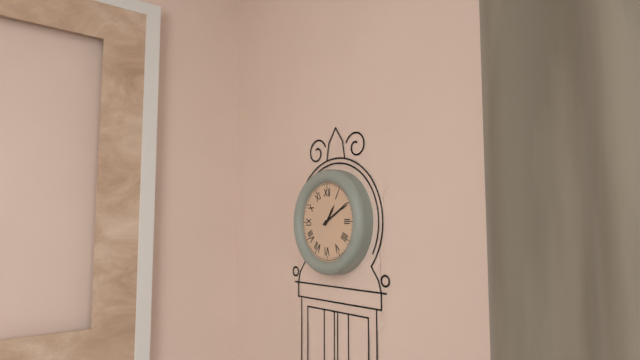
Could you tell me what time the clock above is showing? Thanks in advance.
1:10
